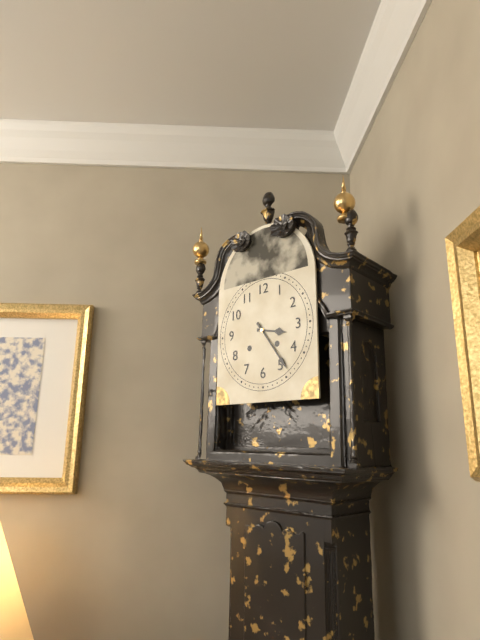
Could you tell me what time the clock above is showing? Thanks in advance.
3:24
